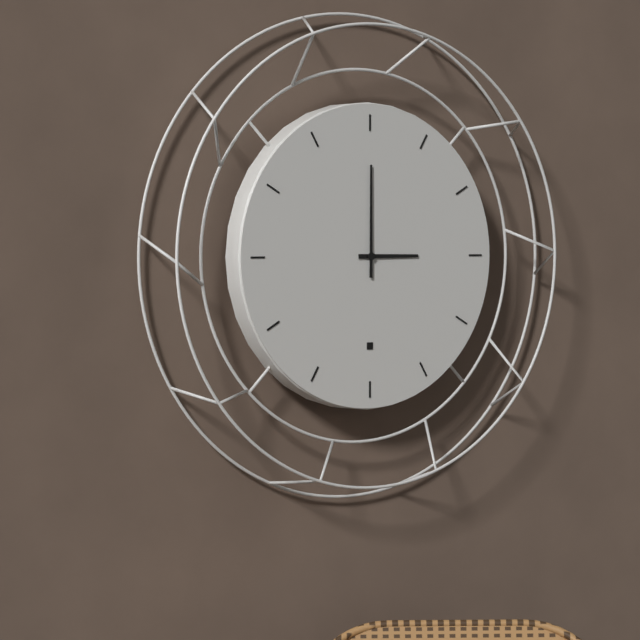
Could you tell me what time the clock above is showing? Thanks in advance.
3:00
